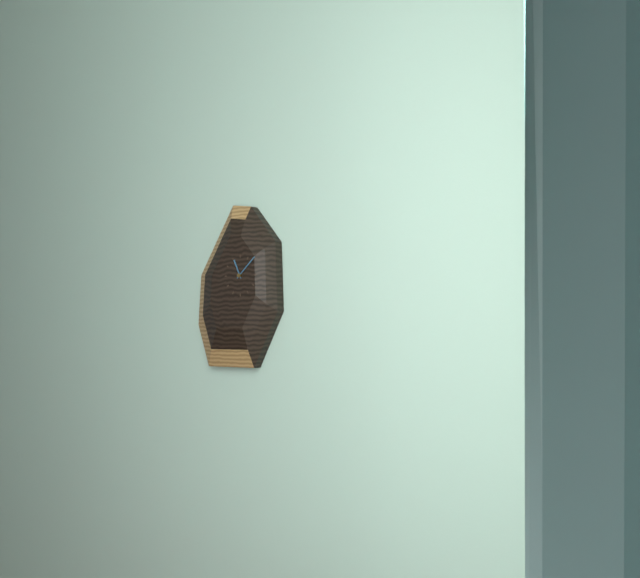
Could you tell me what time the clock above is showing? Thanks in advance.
11:08
